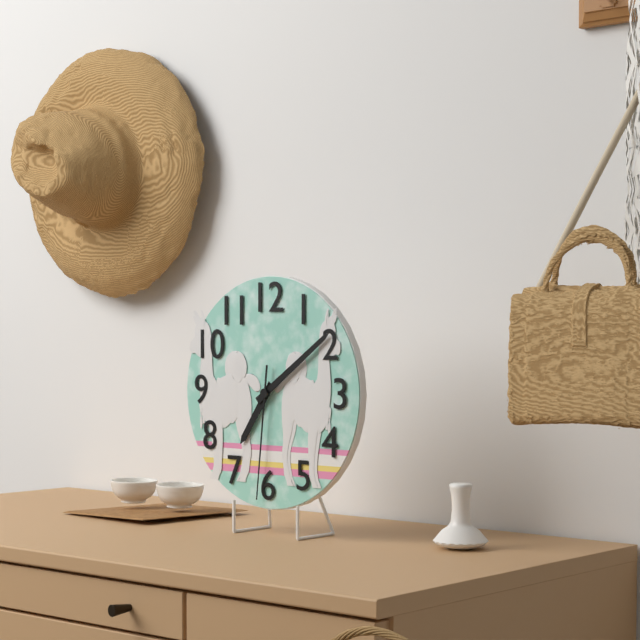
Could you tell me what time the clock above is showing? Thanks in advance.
7:09:31
